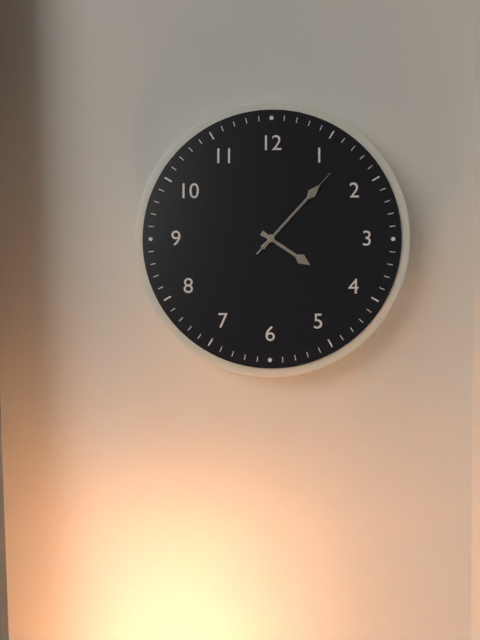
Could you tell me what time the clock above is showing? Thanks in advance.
4:07:07
